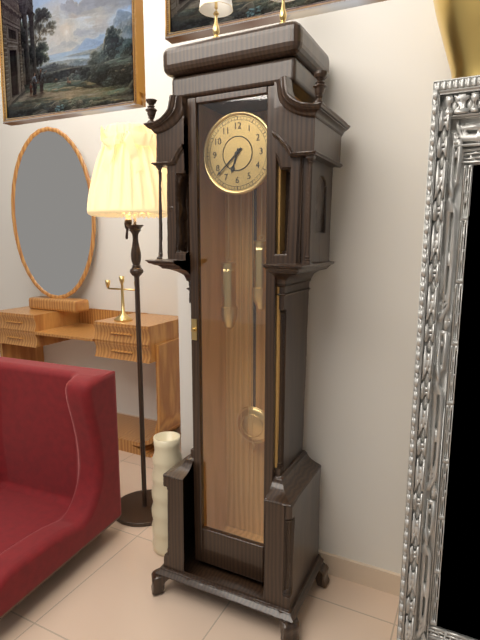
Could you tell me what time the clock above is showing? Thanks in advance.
6:38
